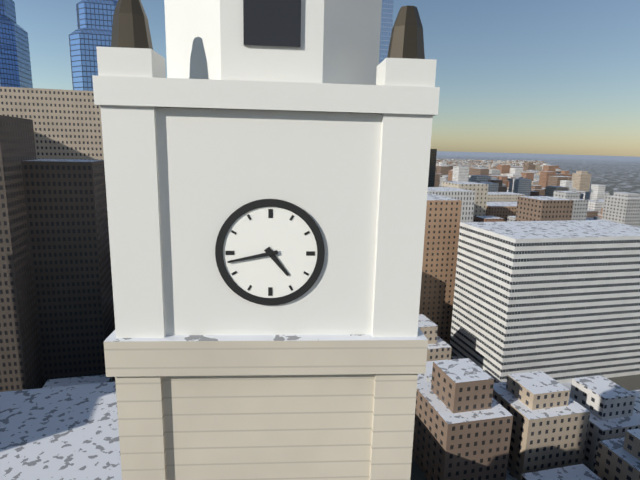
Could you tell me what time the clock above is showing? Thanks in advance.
4:43
